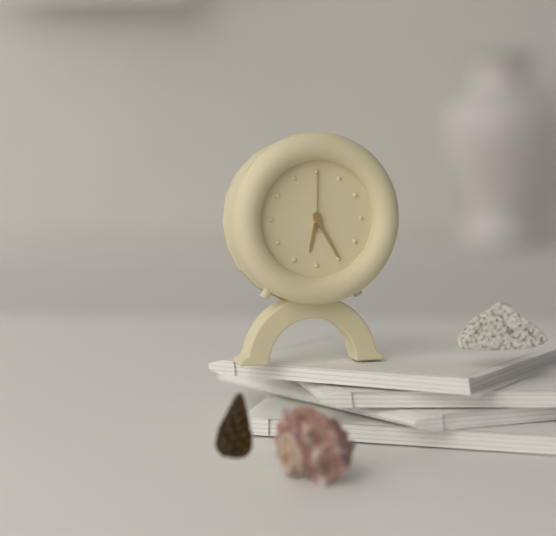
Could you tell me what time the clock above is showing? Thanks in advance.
6:25:00
